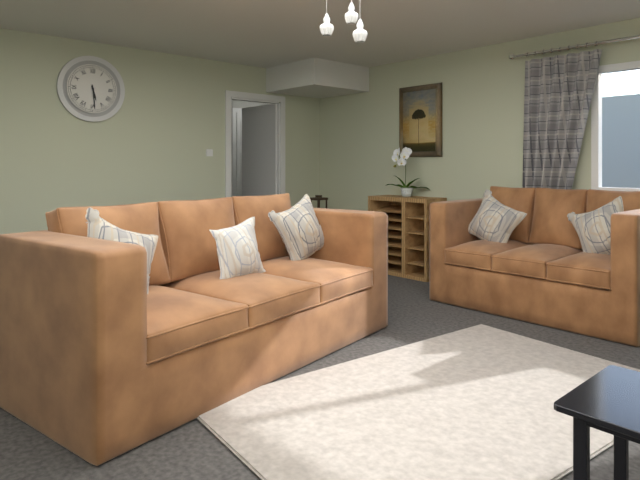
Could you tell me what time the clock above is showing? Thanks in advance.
5:29
